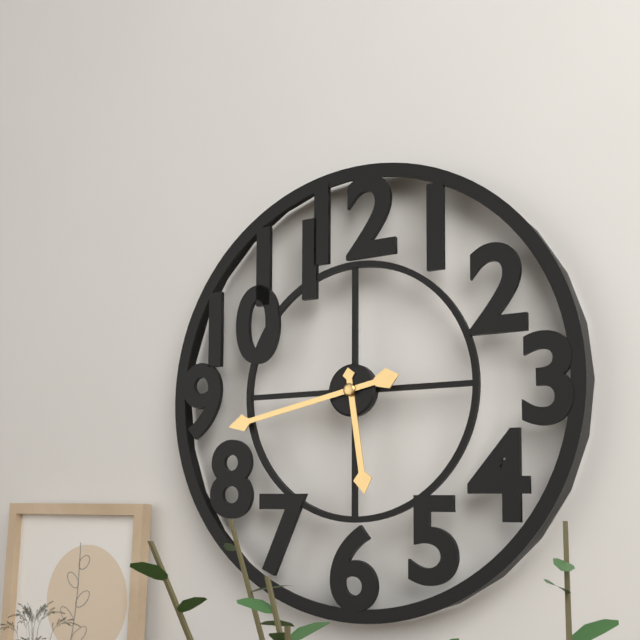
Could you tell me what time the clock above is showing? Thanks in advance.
5:43
